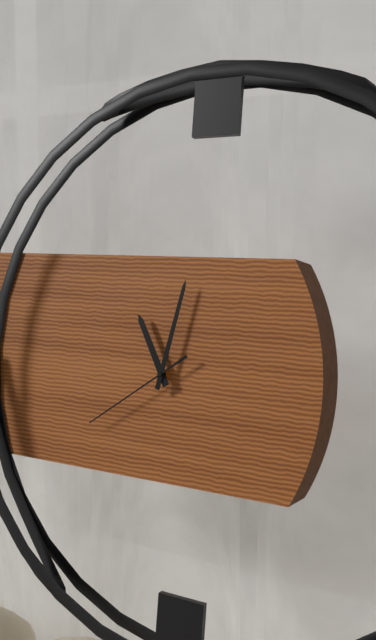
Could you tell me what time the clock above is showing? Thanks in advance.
11:02:39
